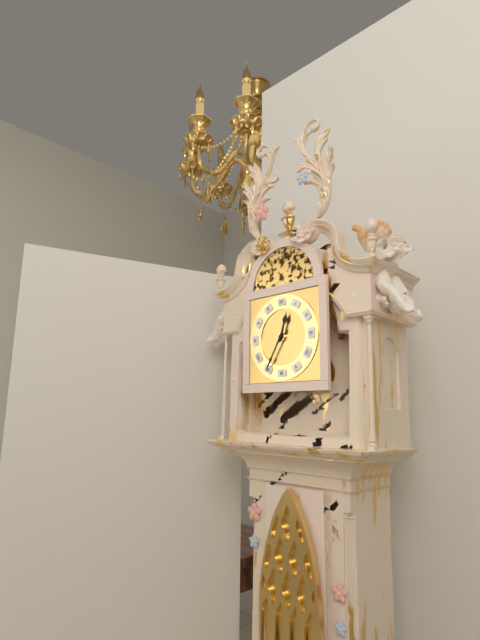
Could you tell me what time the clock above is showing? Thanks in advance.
12:35
